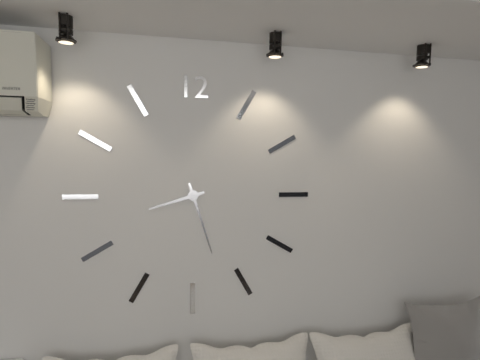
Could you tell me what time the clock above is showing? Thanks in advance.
8:27
